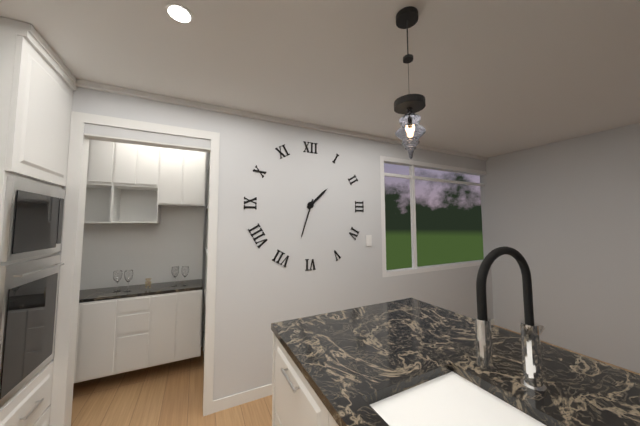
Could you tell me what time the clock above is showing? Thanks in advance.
1:33
